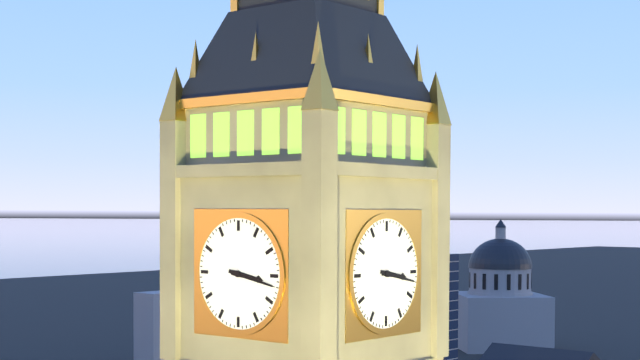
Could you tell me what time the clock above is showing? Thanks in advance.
3:17
